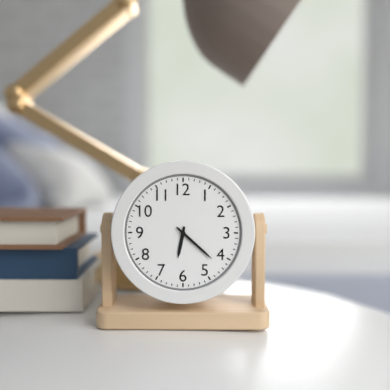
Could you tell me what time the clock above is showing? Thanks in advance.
6:22
